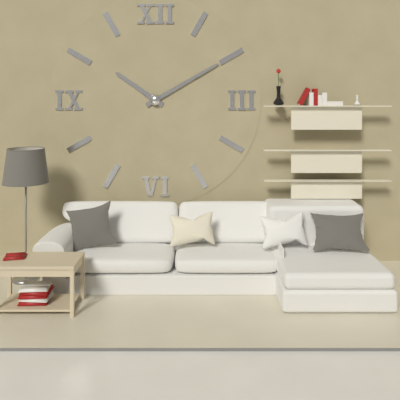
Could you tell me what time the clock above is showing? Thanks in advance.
10:10
